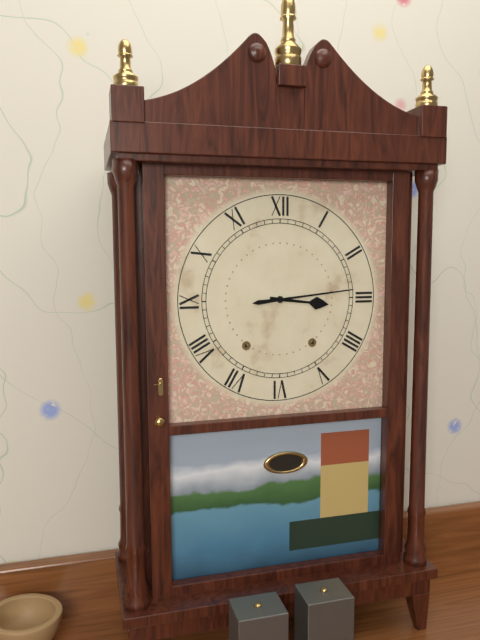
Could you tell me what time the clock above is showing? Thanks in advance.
3:14
